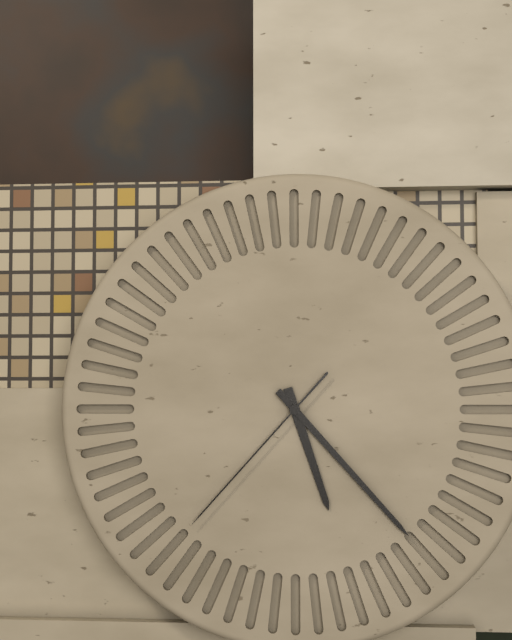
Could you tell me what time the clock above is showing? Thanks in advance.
5:23:37
